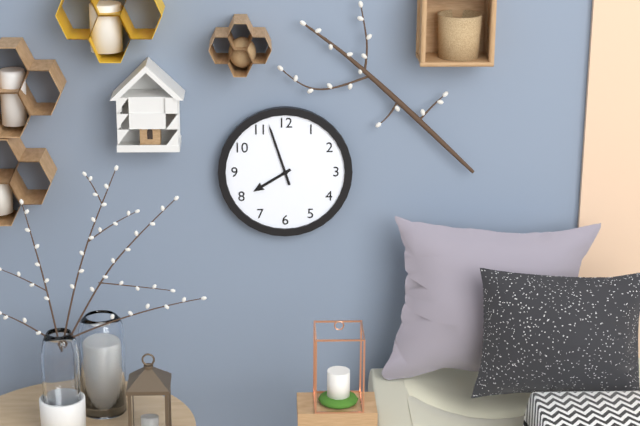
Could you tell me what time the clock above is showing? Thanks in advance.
7:57
